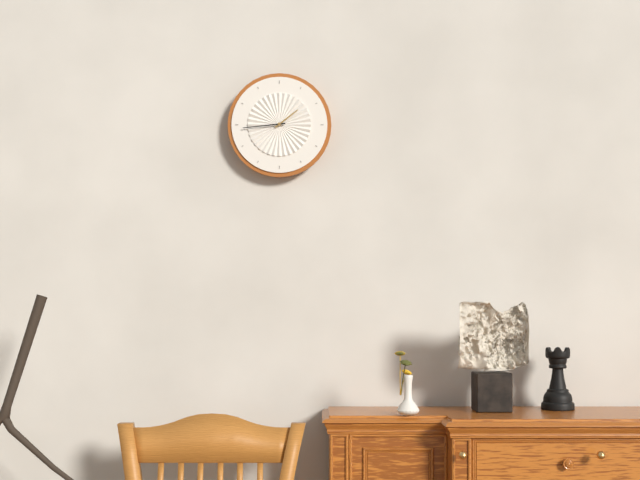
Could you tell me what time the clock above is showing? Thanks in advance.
1:44
